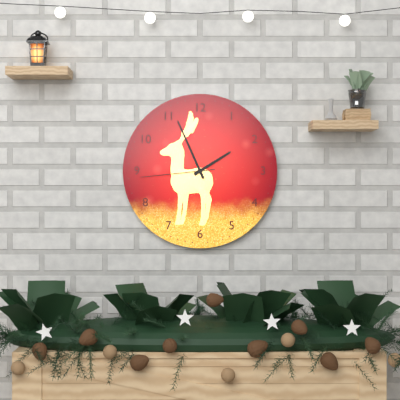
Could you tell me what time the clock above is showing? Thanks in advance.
1:56:44
